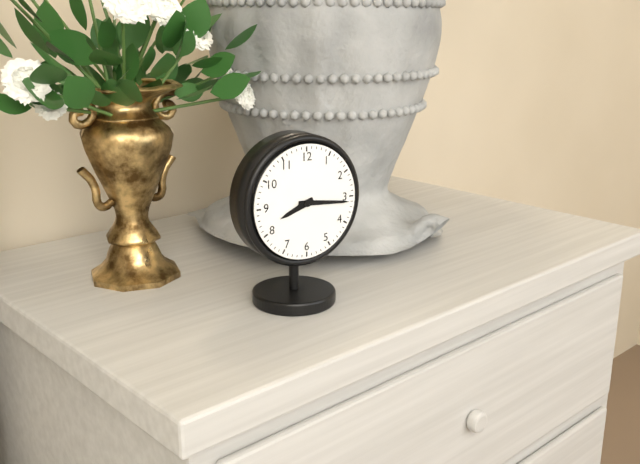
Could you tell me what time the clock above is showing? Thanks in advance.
8:16
